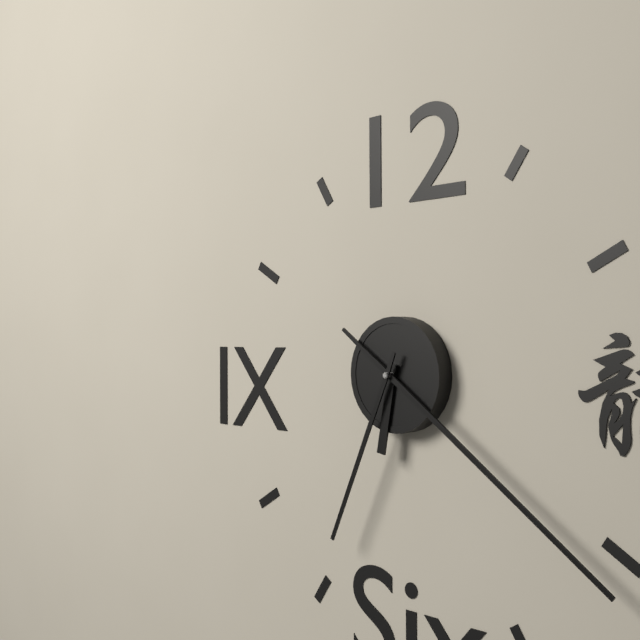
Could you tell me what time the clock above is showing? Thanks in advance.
6:21:34
